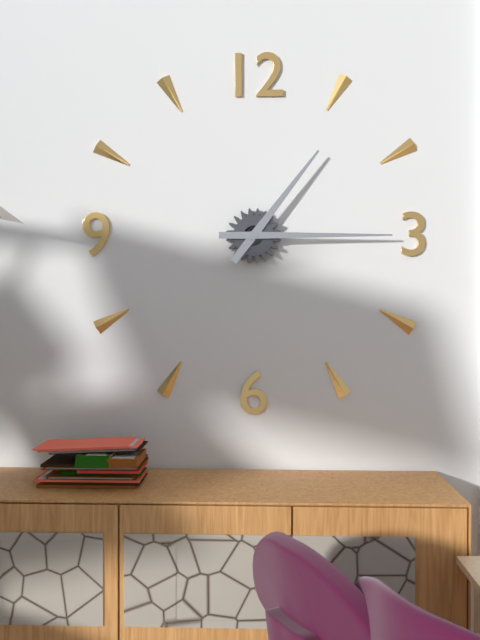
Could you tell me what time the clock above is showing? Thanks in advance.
1:15
